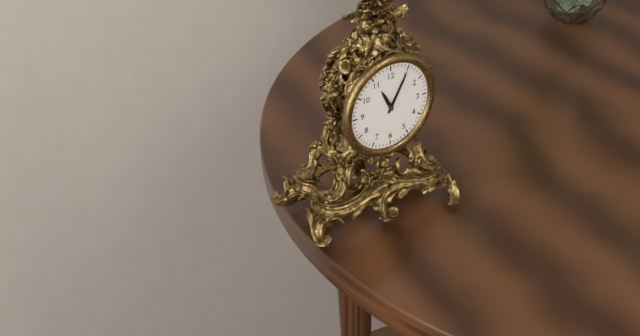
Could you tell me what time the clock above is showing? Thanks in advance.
11:05
